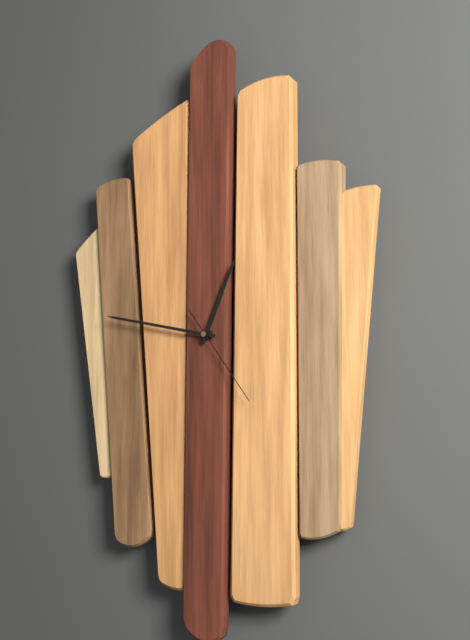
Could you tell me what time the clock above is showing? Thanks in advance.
12:47:24
